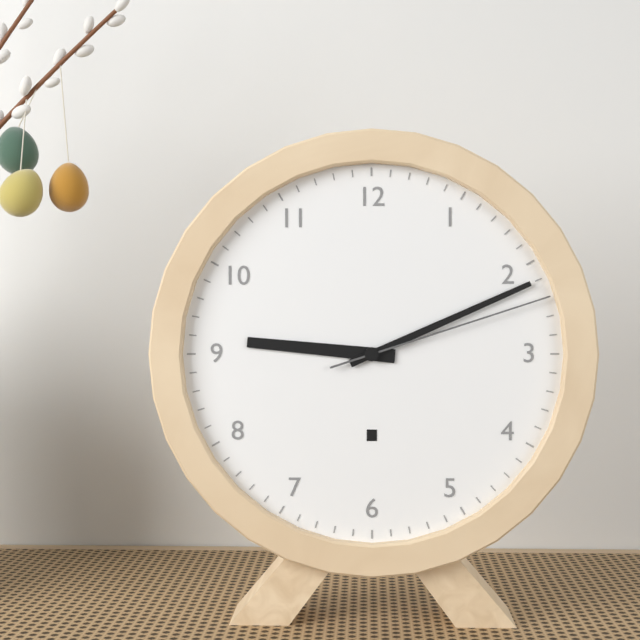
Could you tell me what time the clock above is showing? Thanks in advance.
9:11:12
